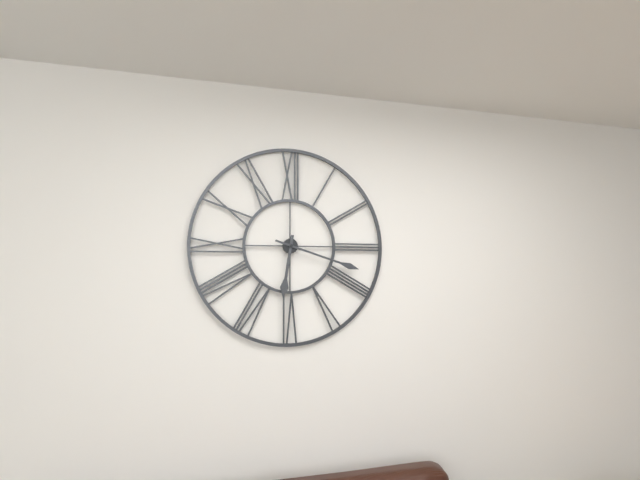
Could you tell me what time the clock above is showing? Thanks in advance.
6:18
